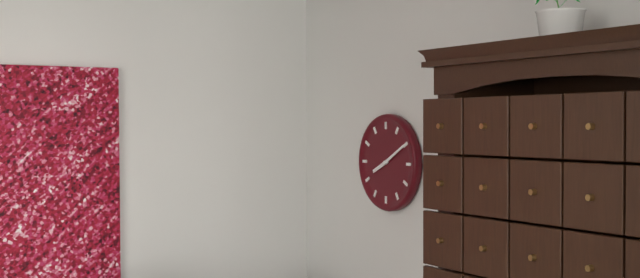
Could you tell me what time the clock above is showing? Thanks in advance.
8:10
